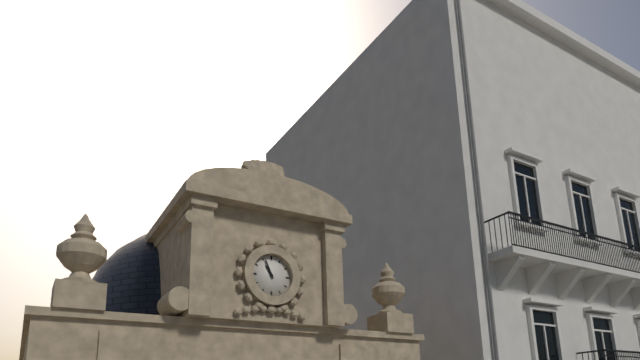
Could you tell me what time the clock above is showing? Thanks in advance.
10:56
